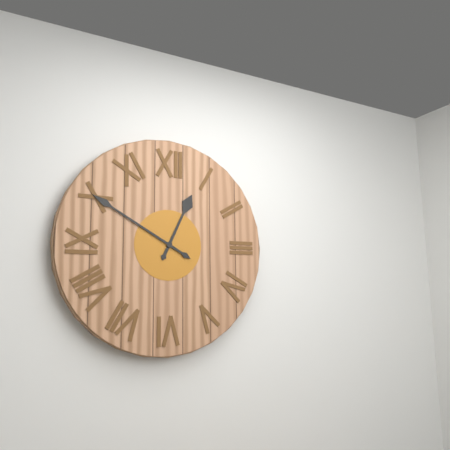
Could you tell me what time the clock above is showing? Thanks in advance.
12:50
